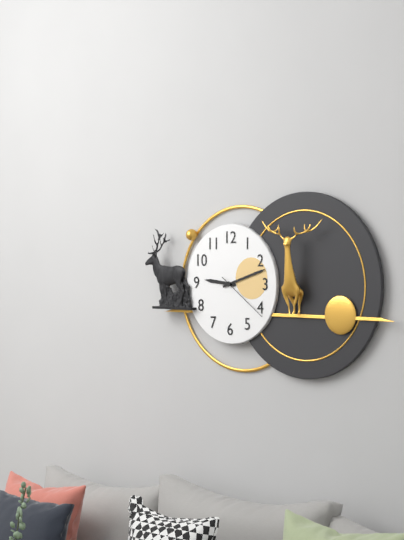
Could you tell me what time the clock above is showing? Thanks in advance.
9:12:21
